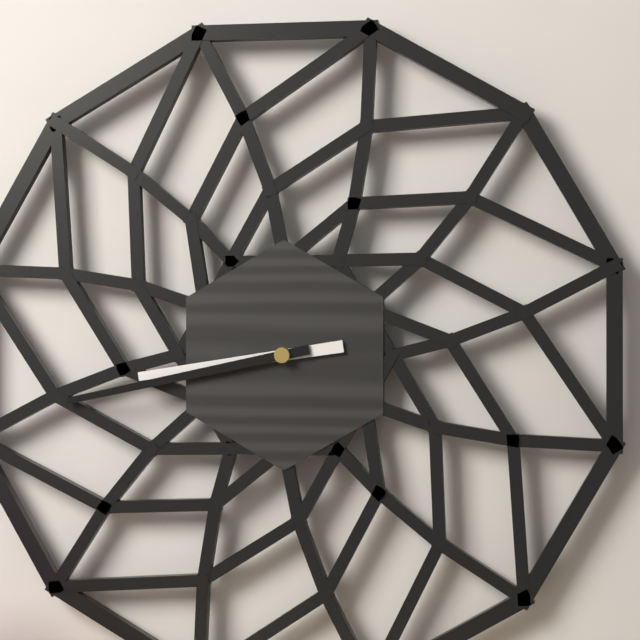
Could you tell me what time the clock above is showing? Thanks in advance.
8:43
